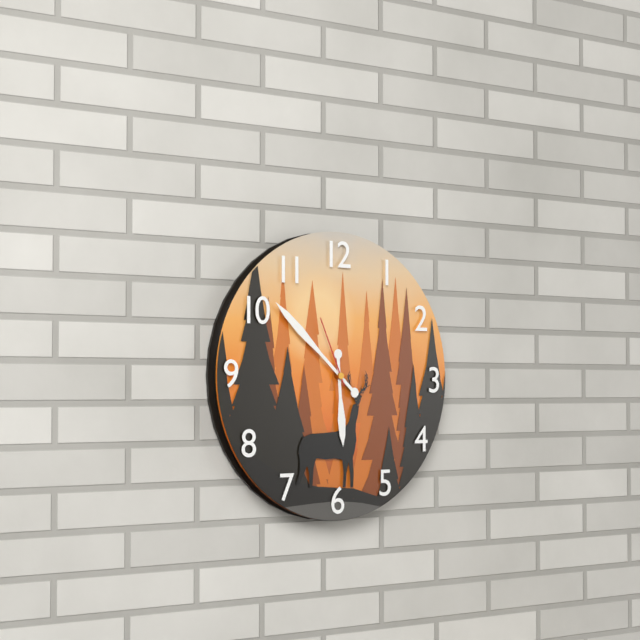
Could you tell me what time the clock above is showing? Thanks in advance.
5:52:56
